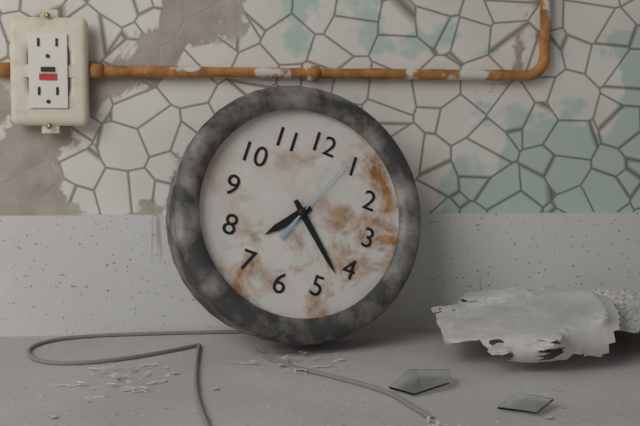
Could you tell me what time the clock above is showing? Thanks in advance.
7:22:04
